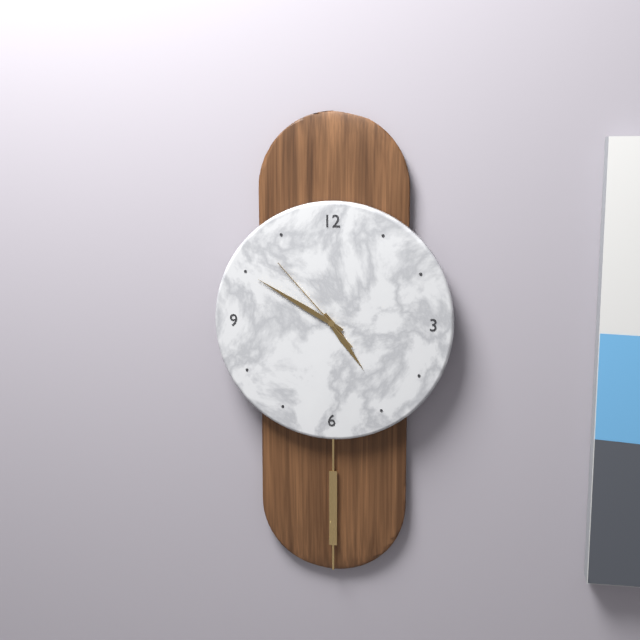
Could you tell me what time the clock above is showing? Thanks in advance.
4:50:53
